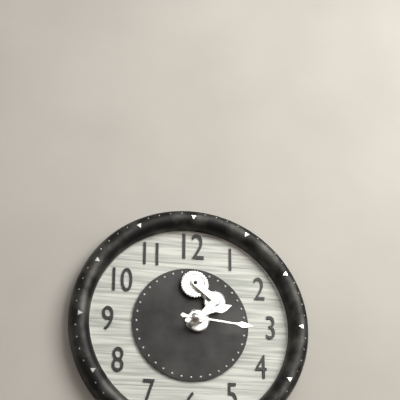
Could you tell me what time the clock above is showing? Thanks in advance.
2:16
